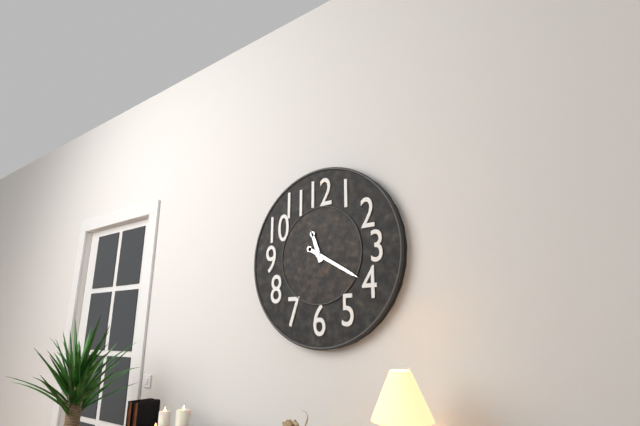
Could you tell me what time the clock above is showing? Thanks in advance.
11:20
